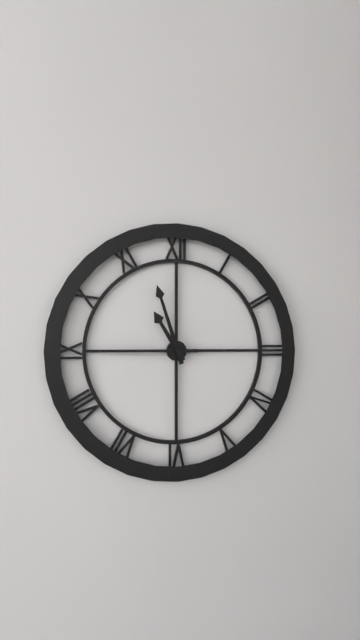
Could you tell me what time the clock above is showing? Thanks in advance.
10:57:45
